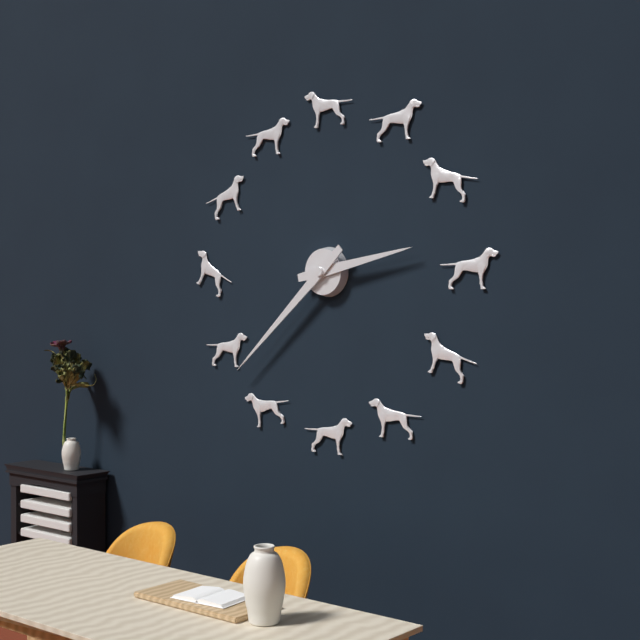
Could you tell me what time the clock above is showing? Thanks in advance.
2:38
